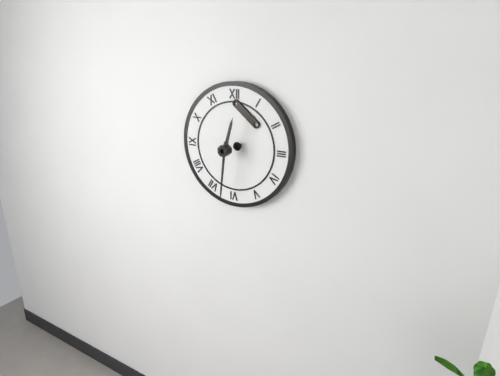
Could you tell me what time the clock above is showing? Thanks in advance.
12:31
